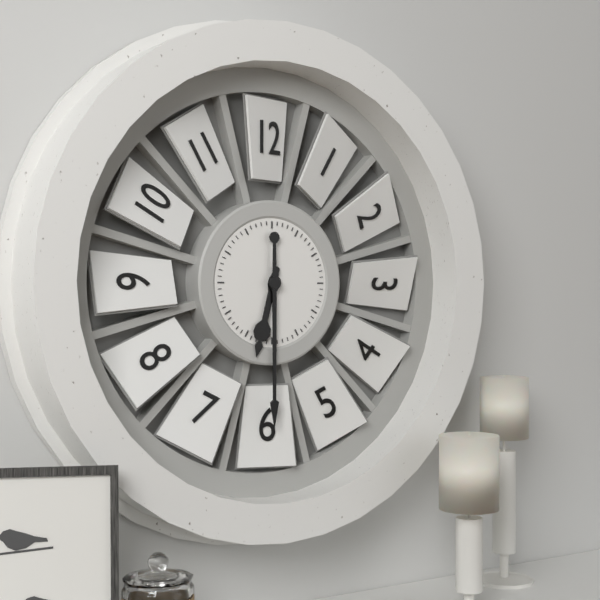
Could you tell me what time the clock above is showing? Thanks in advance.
6:30
